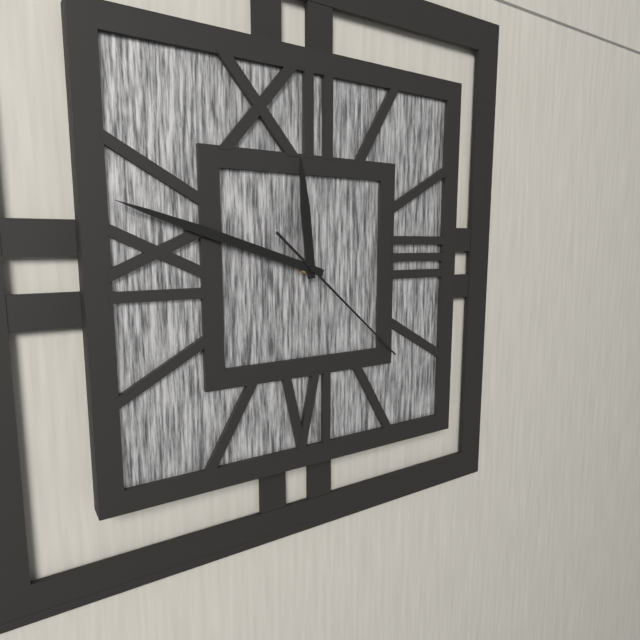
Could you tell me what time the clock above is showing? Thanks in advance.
11:48:22
